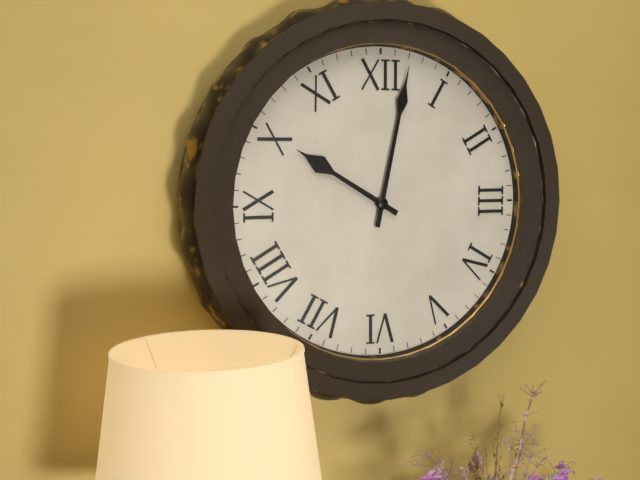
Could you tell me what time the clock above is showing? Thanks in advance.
10:02
